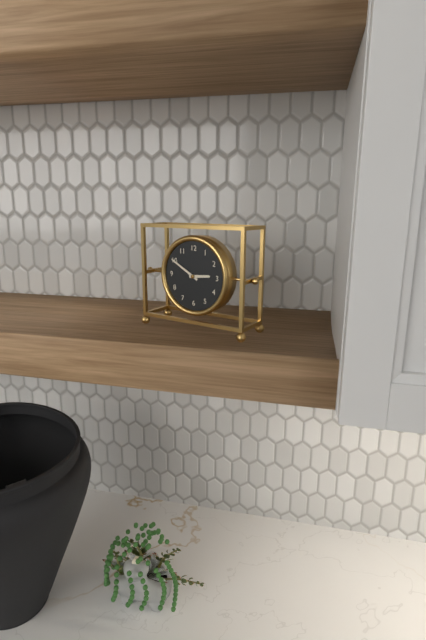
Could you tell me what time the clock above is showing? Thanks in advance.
2:50
